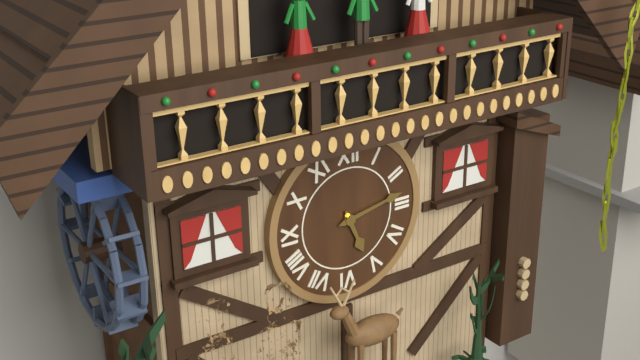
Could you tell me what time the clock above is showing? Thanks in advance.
5:13
